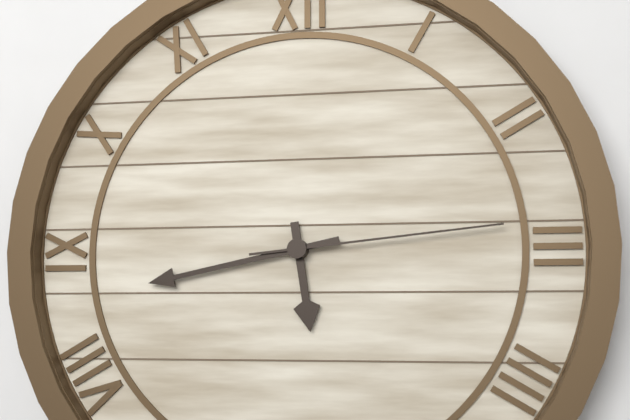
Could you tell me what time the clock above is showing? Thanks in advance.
5:43:14
